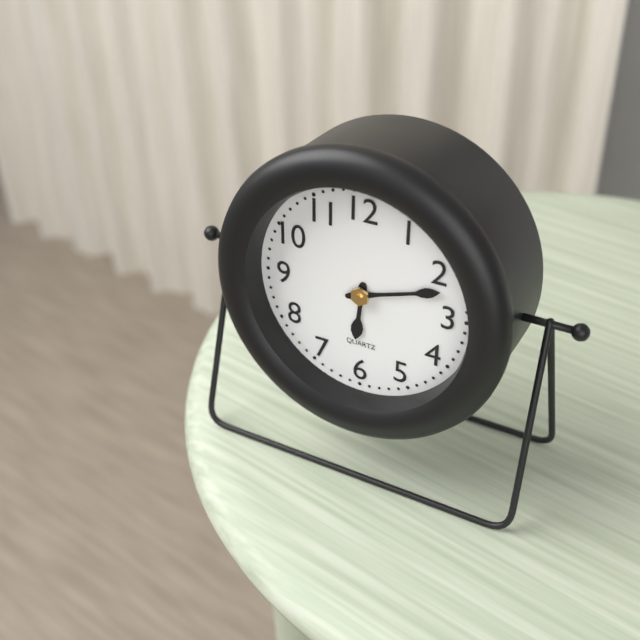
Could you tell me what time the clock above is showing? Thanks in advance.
6:12
